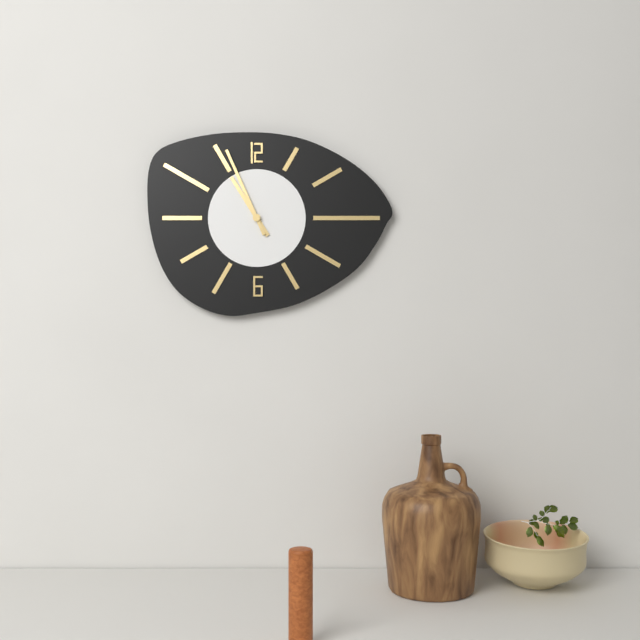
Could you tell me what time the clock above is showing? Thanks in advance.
10:56
